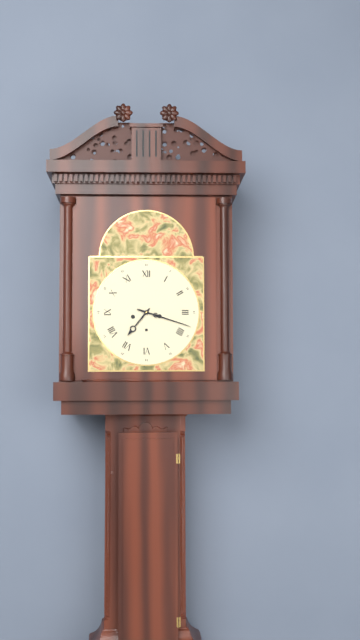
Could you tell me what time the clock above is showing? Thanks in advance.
7:18
